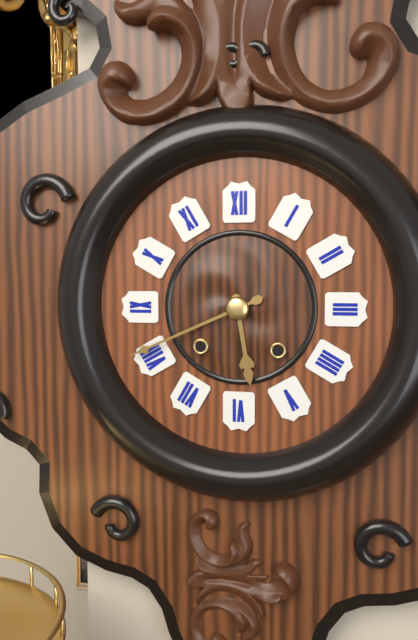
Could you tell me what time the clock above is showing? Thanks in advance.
5:41
